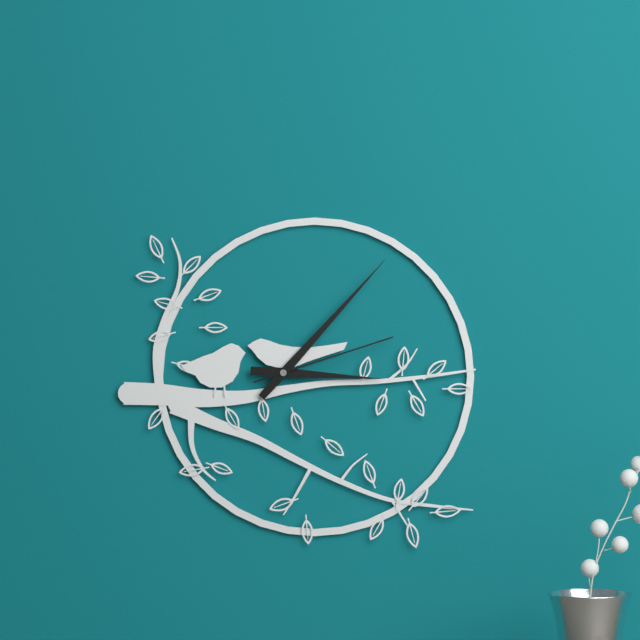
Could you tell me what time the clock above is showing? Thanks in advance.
3:07:12
